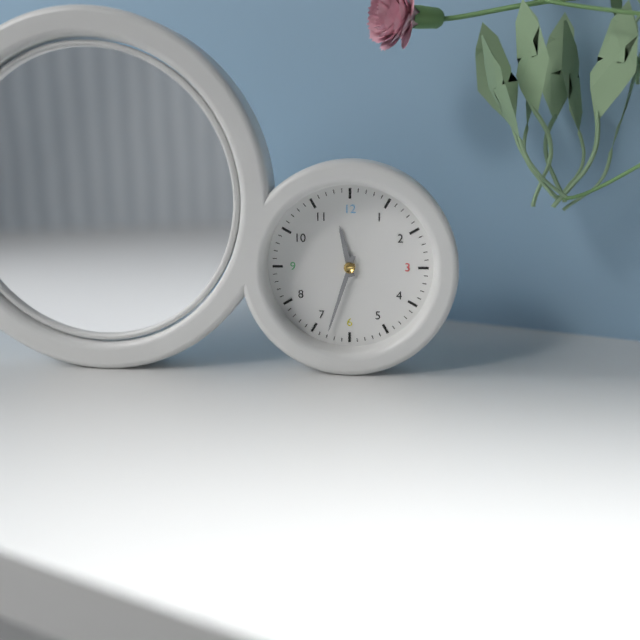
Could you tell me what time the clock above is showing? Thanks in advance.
11:33
